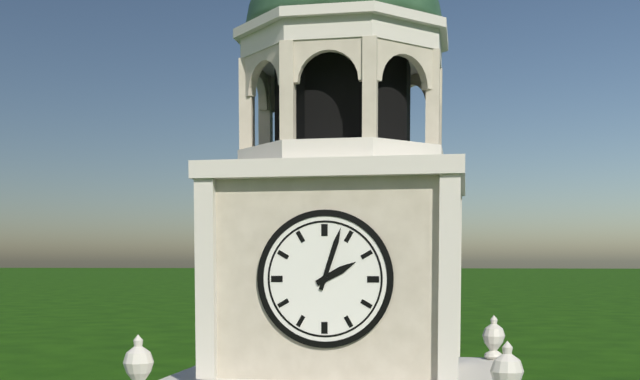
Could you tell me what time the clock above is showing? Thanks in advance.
2:03
